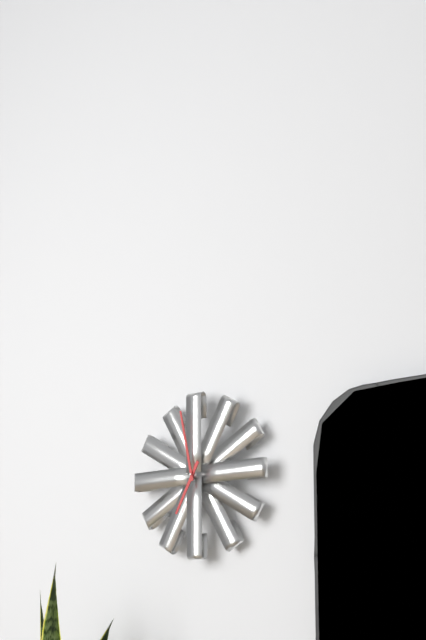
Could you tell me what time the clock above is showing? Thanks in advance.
6:58
